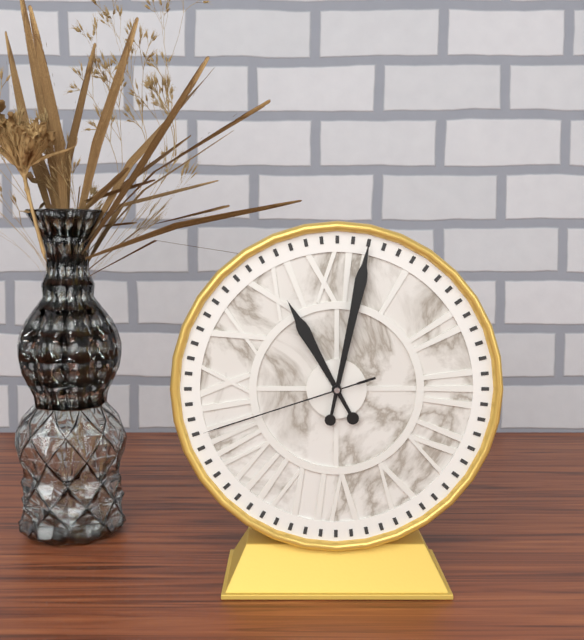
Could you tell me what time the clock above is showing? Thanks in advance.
11:02:42
